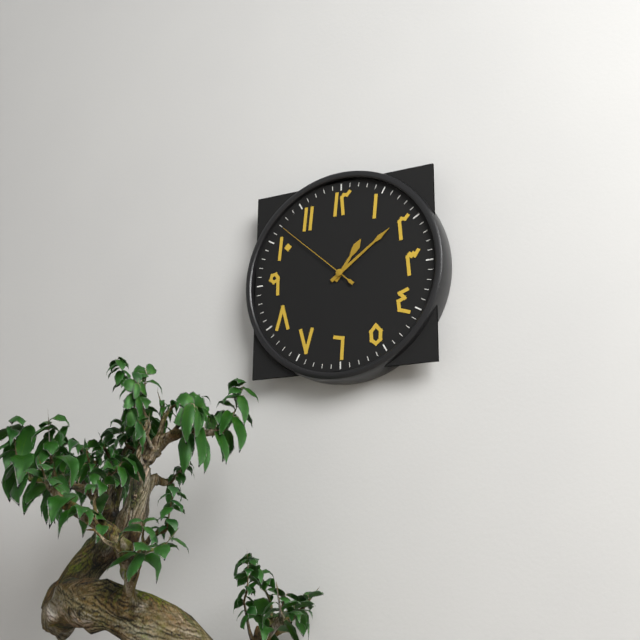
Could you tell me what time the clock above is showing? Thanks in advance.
1:09:52
